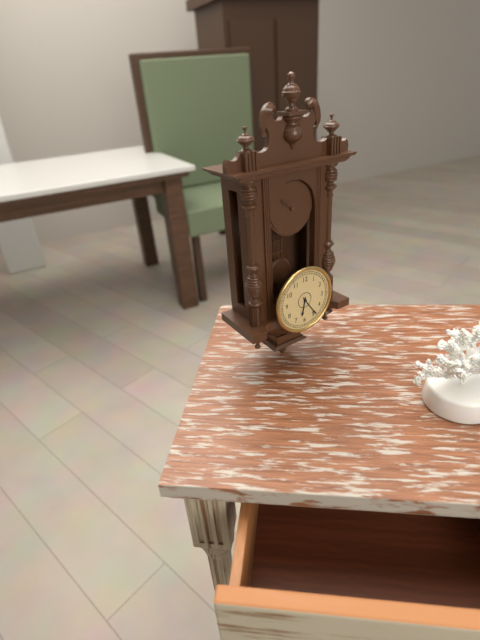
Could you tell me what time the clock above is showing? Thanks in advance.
6:24
